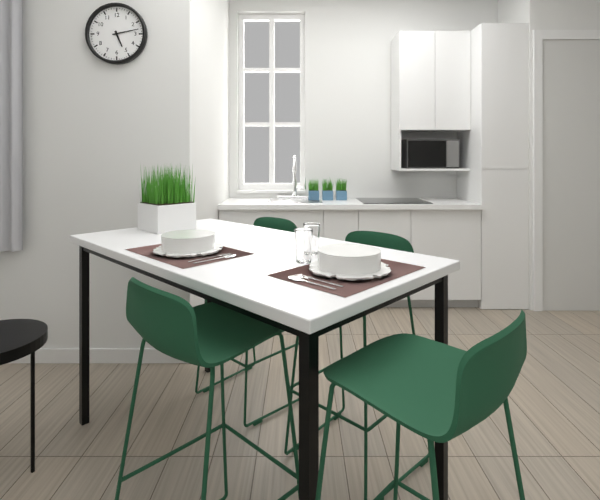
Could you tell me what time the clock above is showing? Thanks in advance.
5:13
